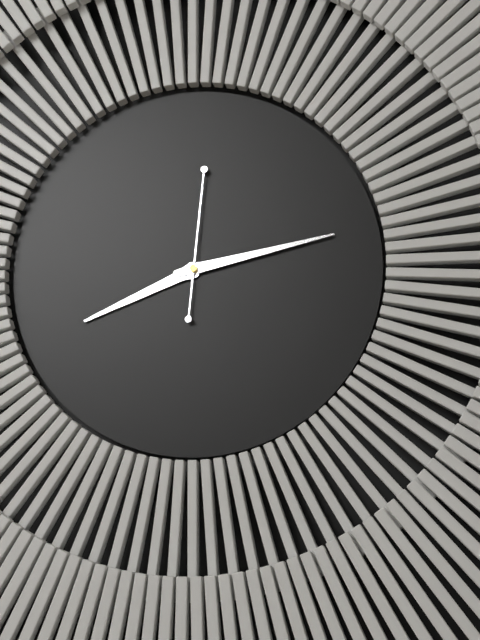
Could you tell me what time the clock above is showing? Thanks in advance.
8:13:01
